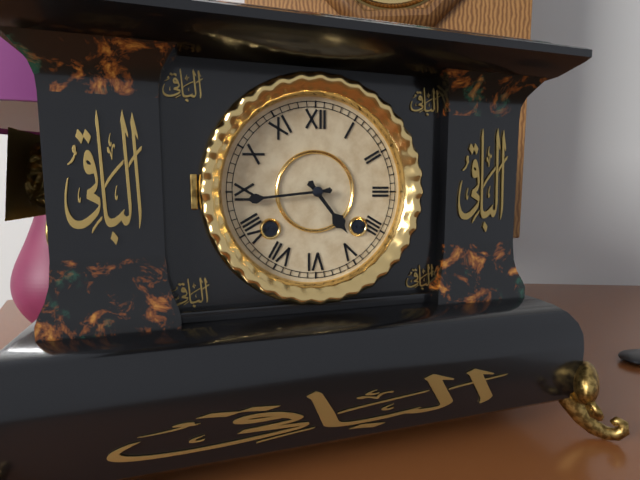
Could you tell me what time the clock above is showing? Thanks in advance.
4:44
